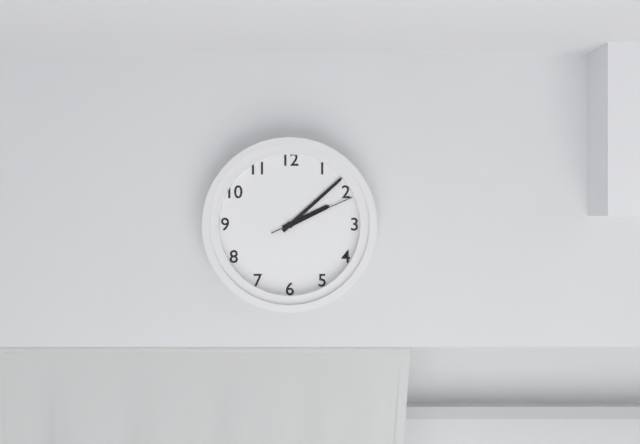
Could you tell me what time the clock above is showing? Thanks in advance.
2:08:11
